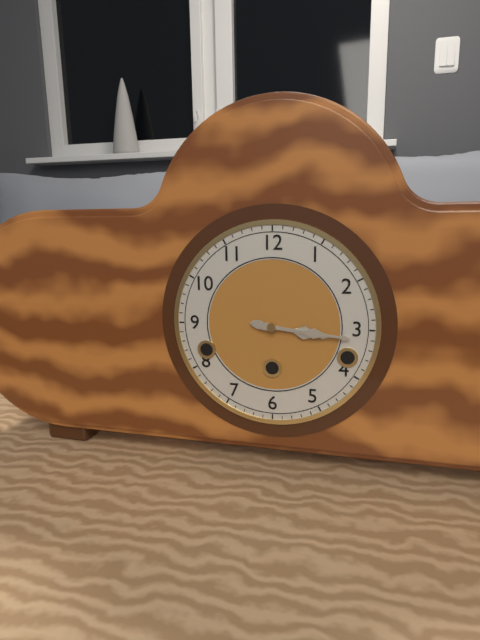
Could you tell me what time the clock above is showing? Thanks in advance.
3:16
